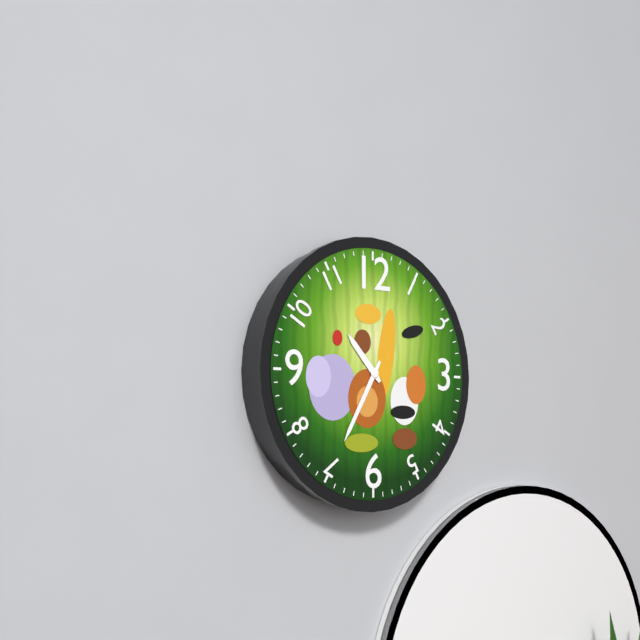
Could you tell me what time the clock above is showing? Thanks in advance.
10:35
